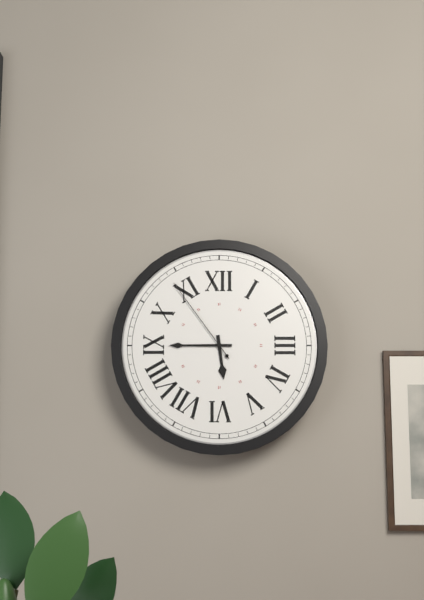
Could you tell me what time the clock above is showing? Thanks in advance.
5:45:54
